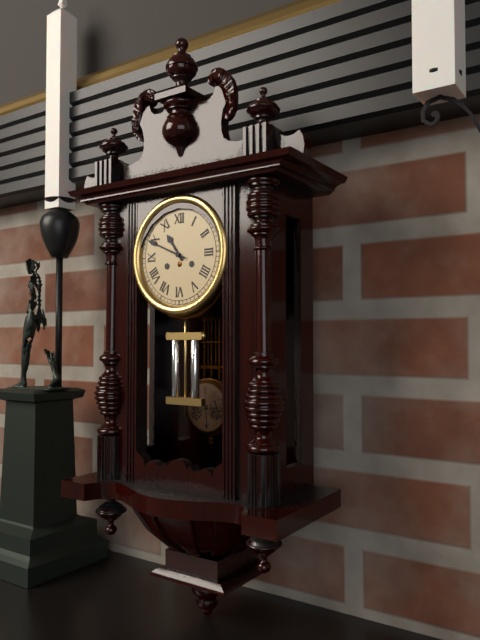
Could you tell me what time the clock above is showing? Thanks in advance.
10:49
